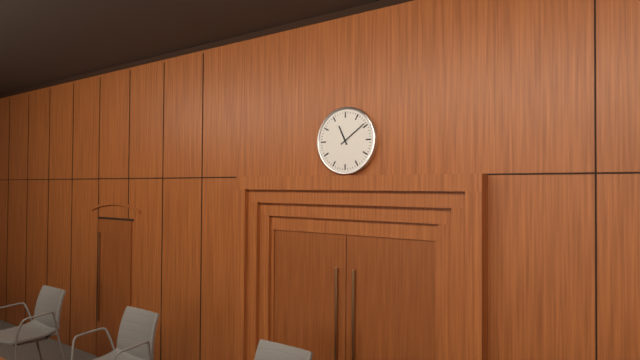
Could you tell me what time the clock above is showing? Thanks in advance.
11:09
